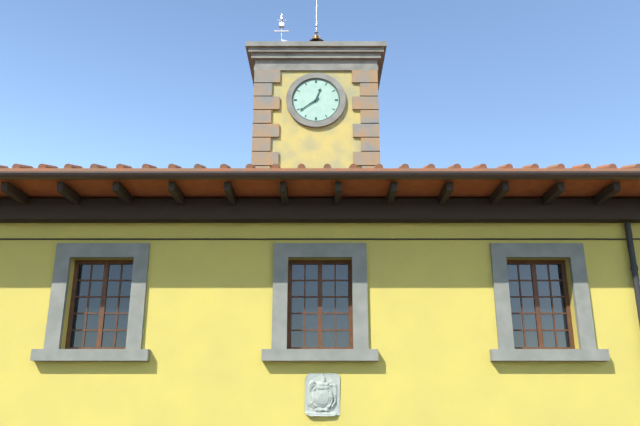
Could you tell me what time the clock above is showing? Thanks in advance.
12:39
